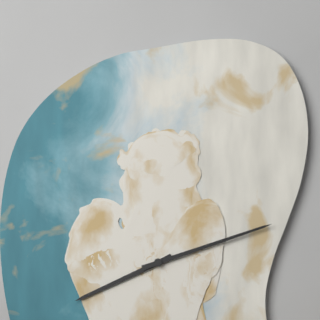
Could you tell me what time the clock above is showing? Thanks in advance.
8:12
